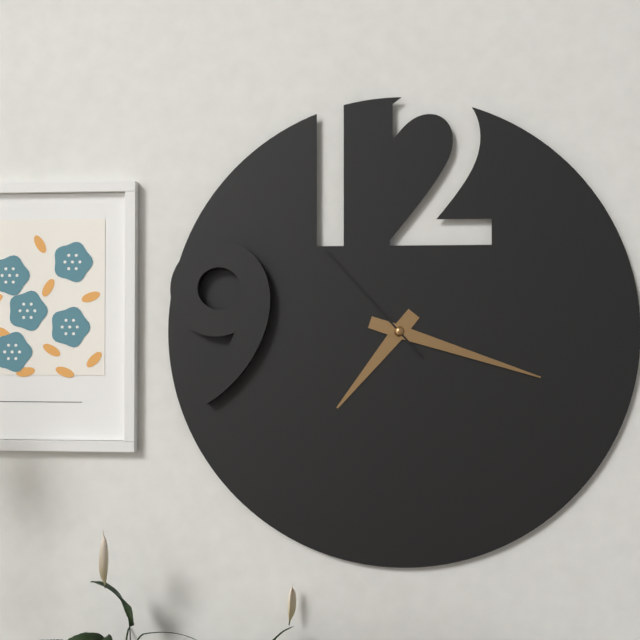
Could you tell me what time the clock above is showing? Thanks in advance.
7:18:53
